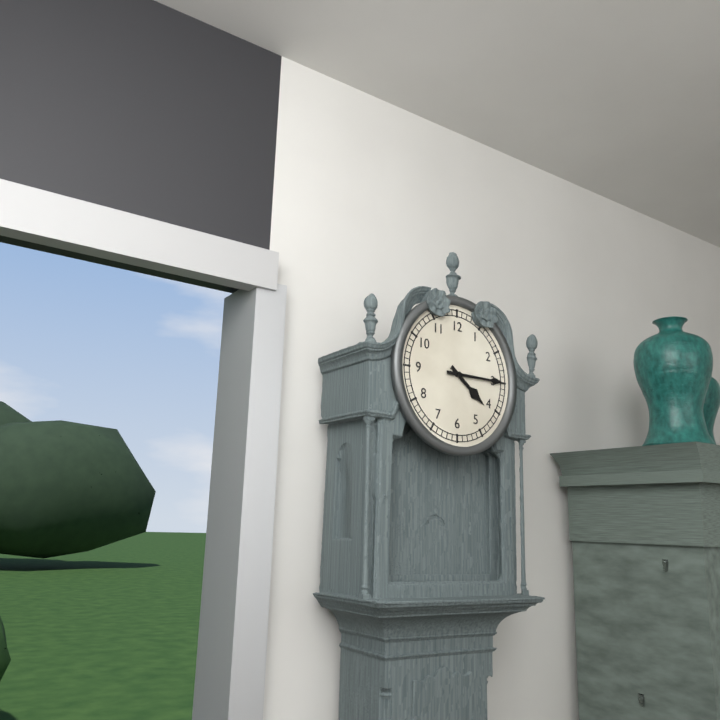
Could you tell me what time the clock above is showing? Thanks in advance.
4:15
